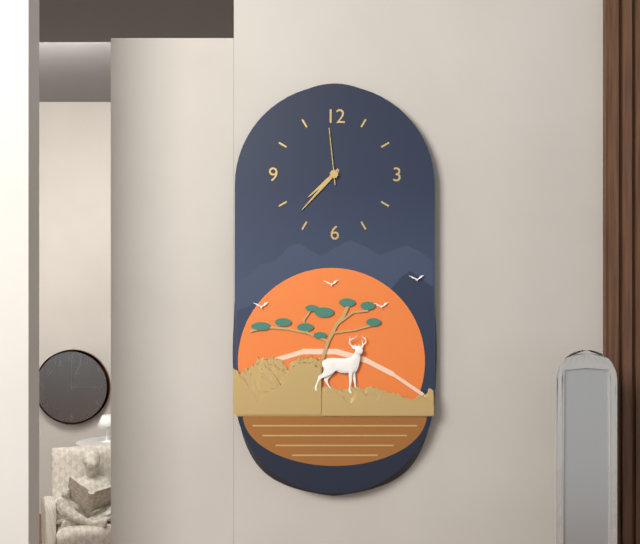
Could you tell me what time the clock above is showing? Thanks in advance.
7:37:59
